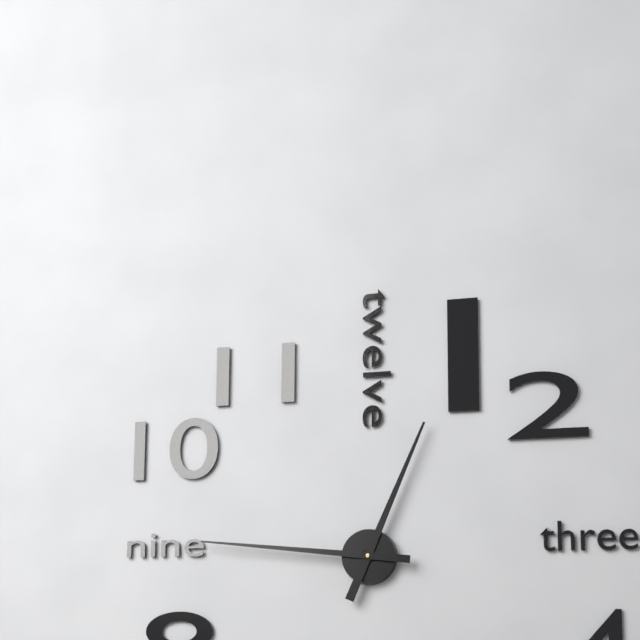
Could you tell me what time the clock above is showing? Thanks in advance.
12:46
